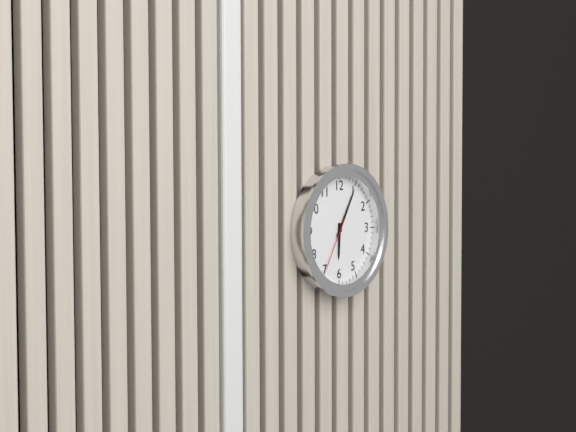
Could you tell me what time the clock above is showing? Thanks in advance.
6:05:35
